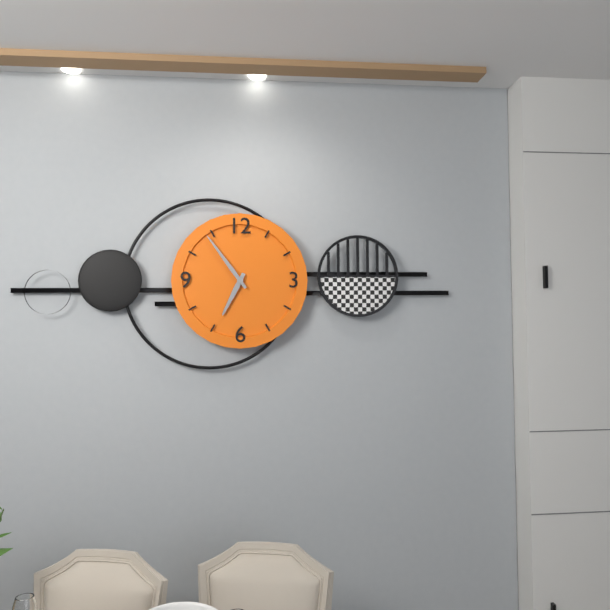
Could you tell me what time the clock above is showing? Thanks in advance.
6:54
